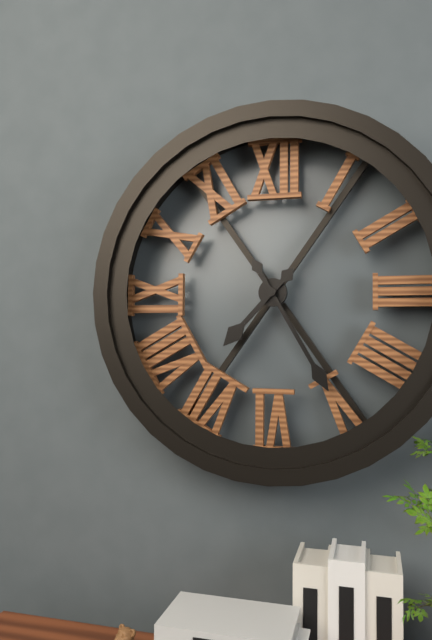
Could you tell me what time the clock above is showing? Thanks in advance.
7:25
